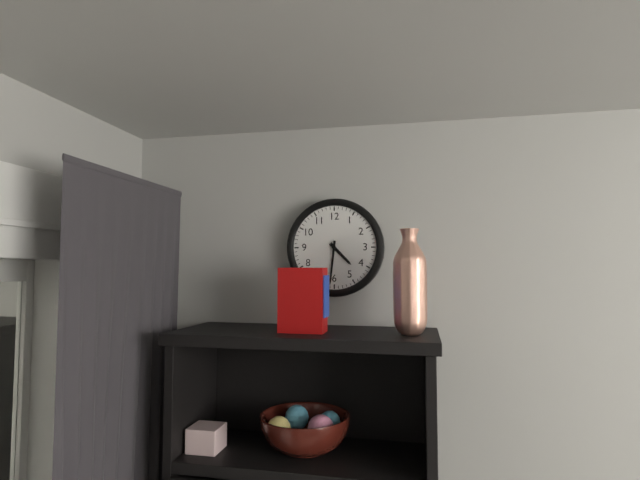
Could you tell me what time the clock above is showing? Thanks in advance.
4:31
